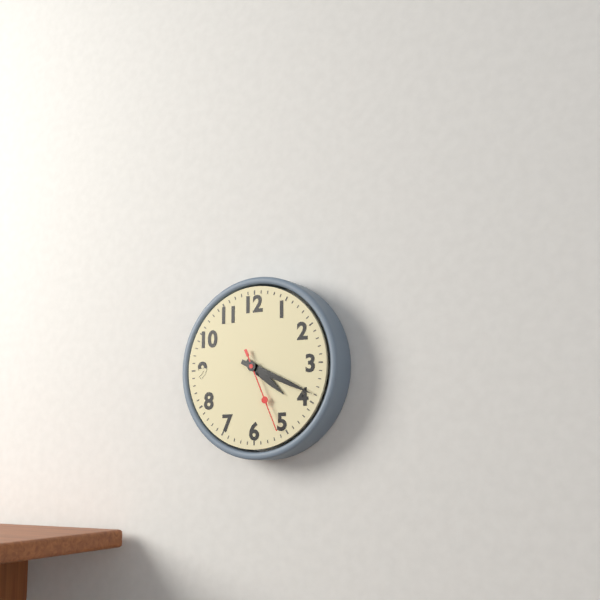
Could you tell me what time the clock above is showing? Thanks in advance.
4:19:26
